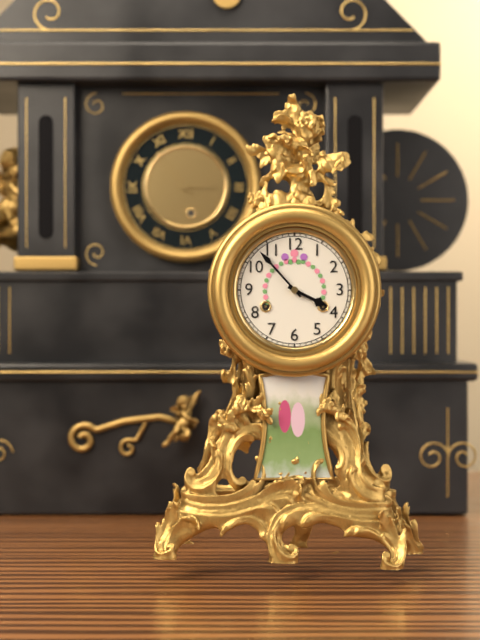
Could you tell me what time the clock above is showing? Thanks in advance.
3:53
